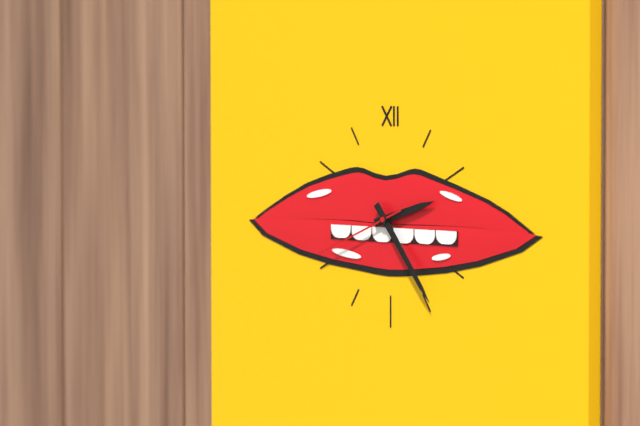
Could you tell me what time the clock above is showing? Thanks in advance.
2:24:41
